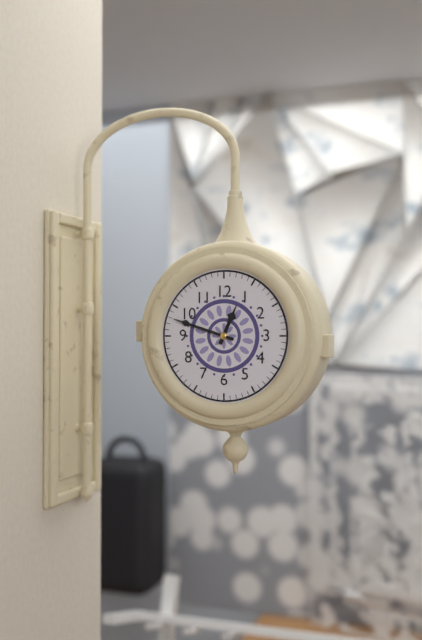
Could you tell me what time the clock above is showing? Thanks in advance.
12:48
